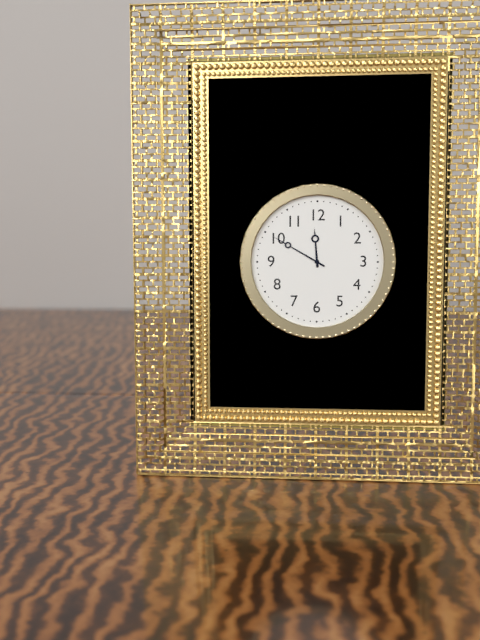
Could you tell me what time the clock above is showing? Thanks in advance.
11:50
